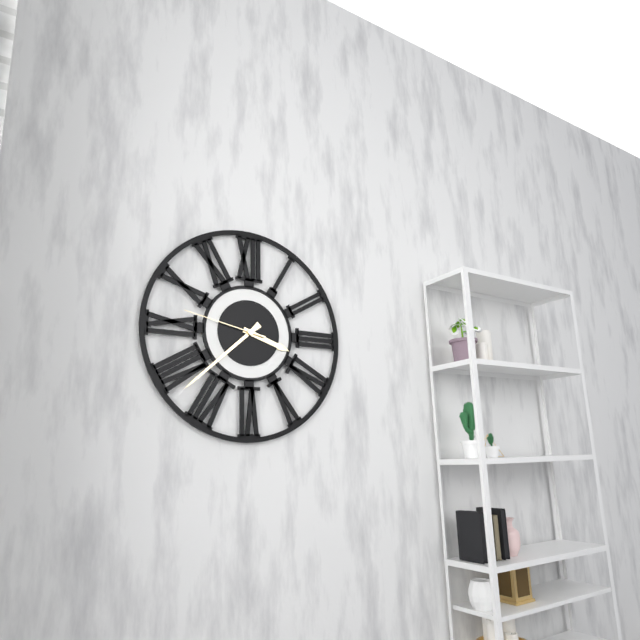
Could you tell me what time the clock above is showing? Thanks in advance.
3:38:47
